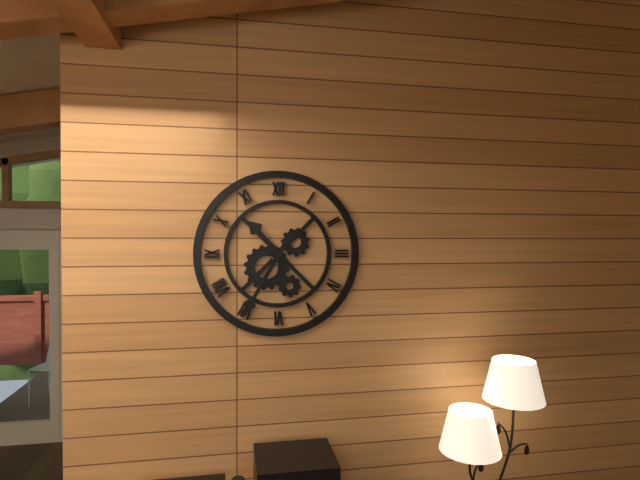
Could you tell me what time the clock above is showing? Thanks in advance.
10:35
